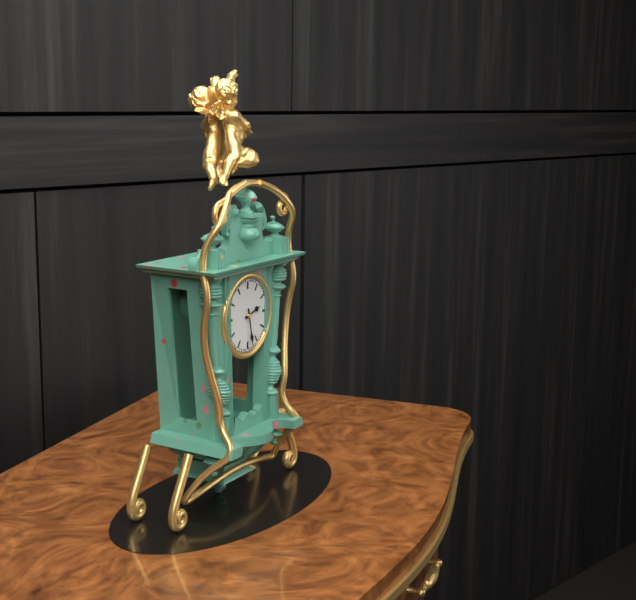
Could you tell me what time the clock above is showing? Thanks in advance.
2:28
